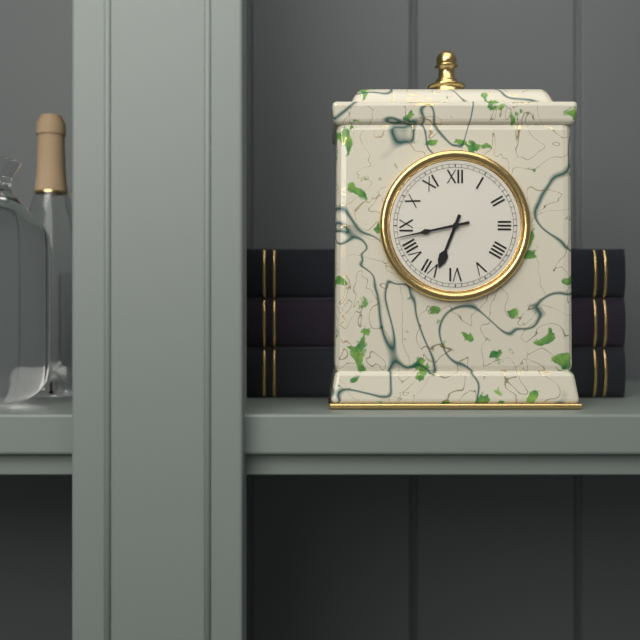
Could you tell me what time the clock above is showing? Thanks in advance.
6:43
